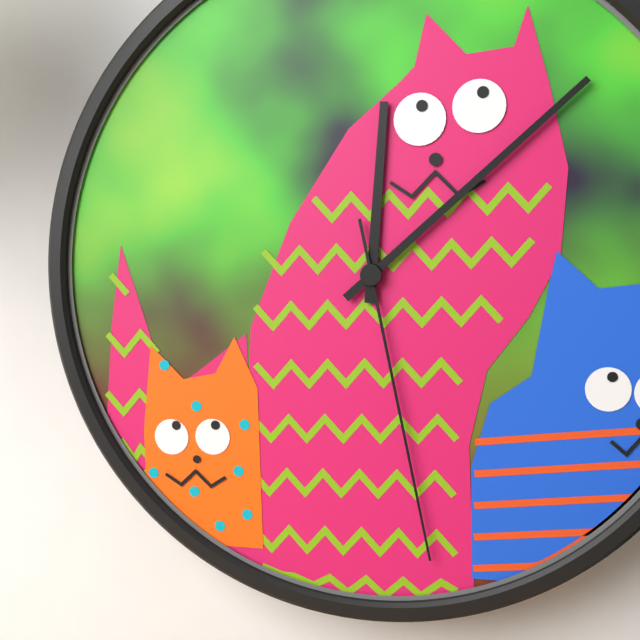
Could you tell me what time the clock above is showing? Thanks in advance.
12:08:28
